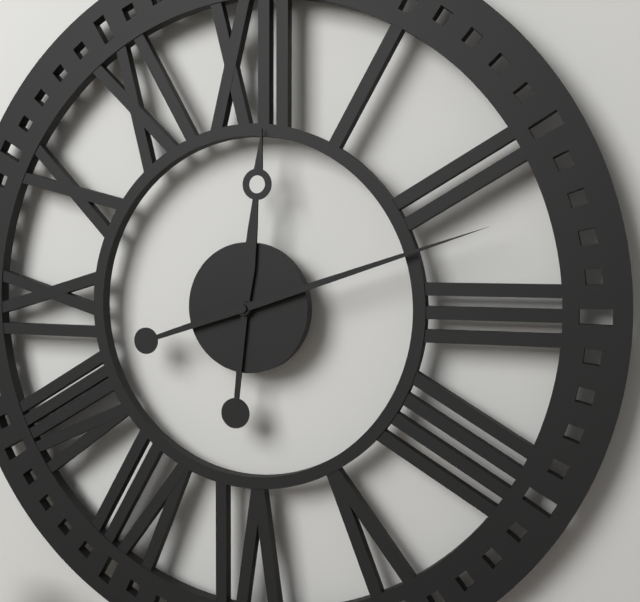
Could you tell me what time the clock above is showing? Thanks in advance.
12:12
